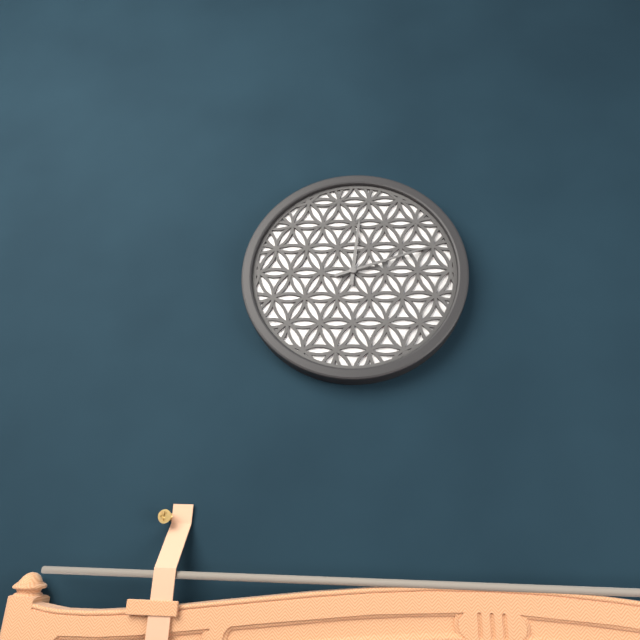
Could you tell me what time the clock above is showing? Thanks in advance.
12:12
